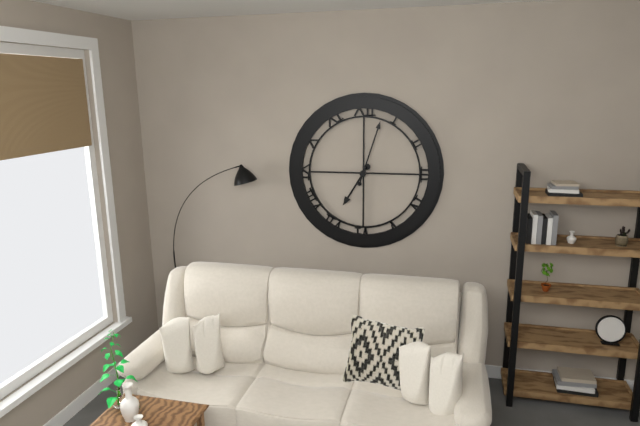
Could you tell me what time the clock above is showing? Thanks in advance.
7:03
